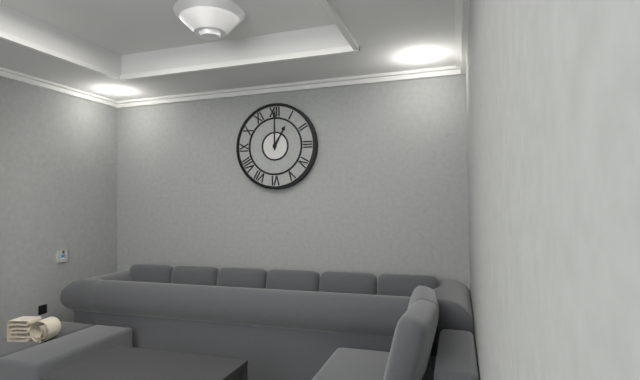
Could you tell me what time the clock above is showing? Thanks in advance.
1:00
